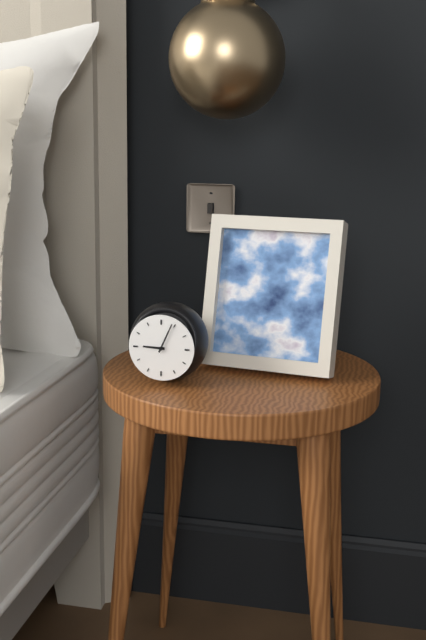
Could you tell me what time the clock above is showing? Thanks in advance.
9:04
